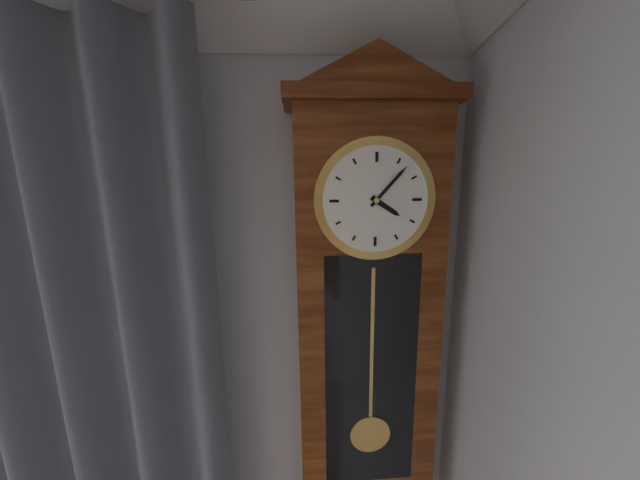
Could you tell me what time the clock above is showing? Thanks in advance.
4:07
